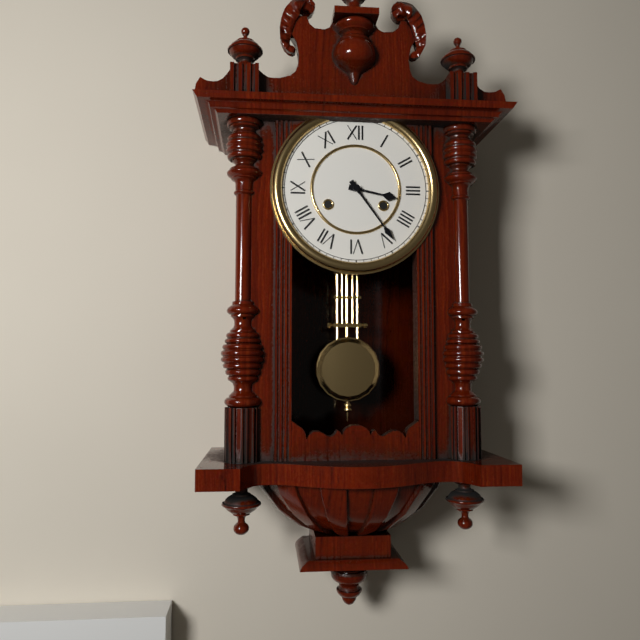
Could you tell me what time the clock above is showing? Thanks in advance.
3:24
